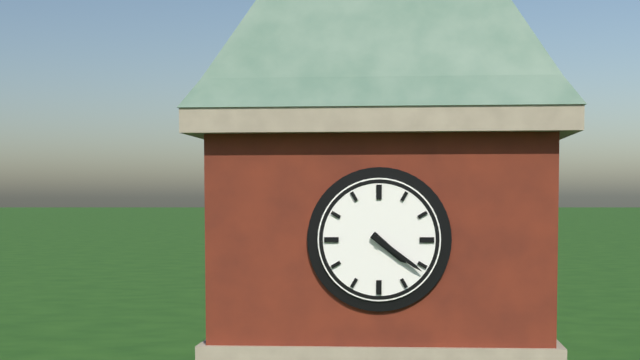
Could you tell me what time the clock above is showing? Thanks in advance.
4:21
